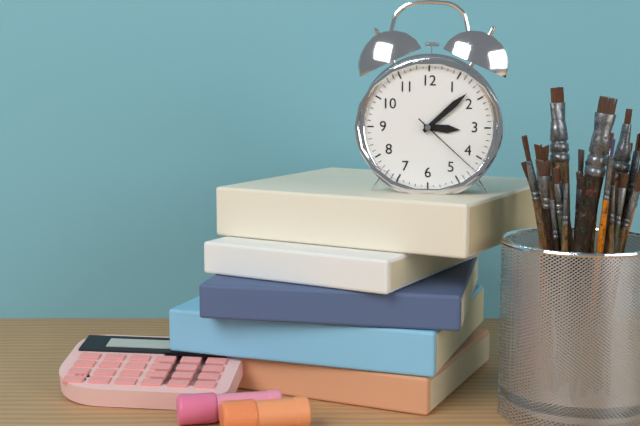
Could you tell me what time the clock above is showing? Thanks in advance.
3:08:22
